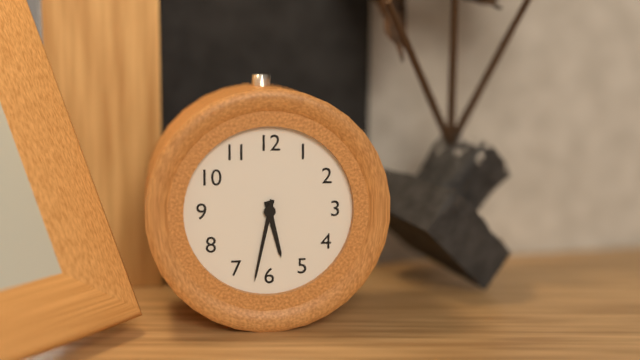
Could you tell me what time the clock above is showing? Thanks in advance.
5:32
